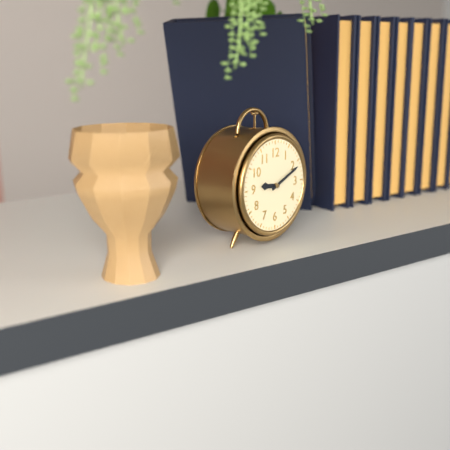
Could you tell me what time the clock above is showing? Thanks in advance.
9:11
